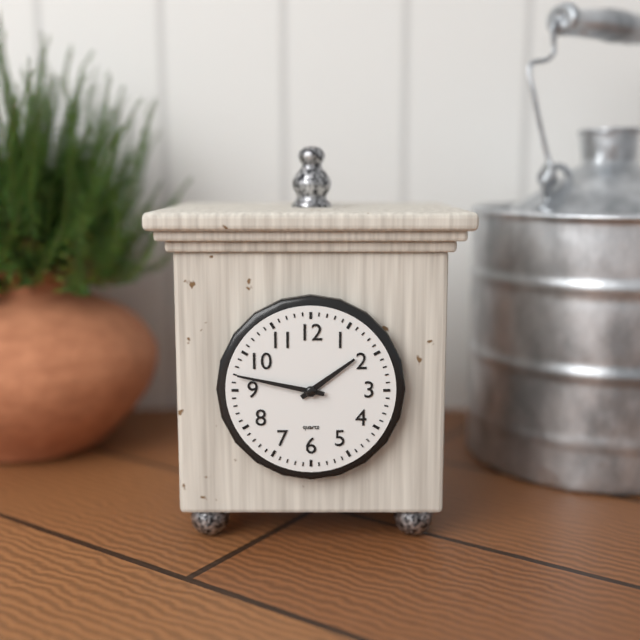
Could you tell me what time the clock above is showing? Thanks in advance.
1:47
